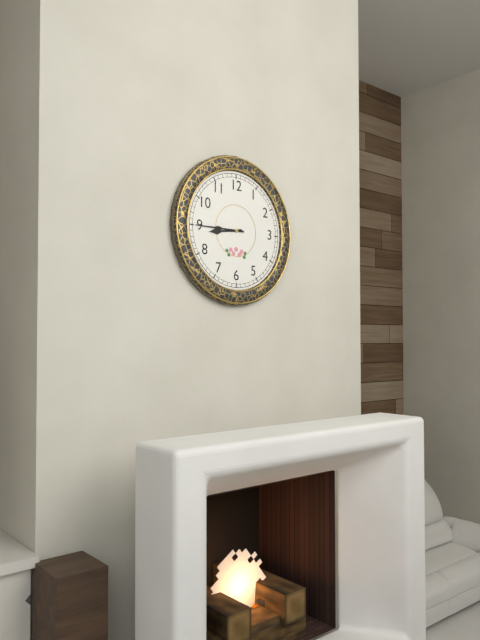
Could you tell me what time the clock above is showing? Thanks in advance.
8:45
